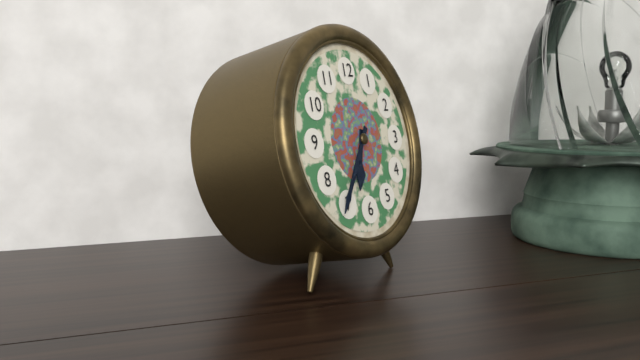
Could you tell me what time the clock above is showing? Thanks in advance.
6:36
